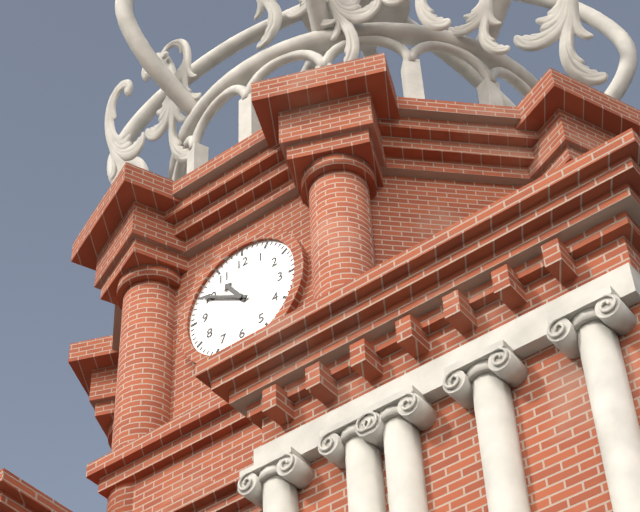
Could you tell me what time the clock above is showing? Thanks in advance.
10:50
